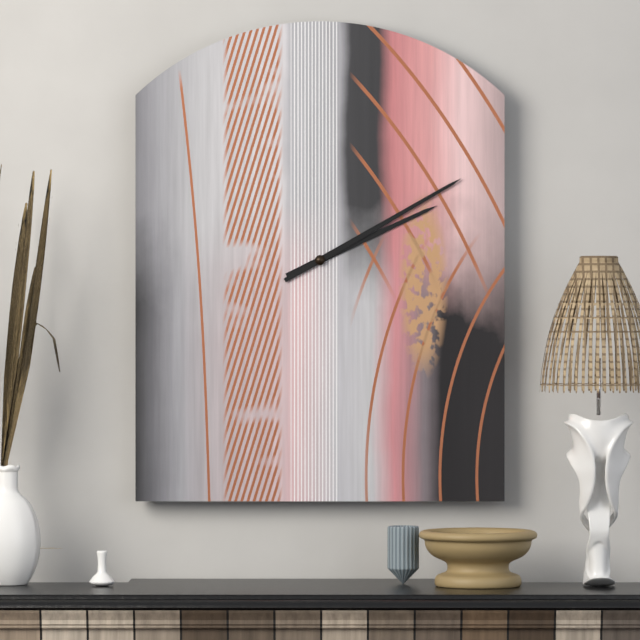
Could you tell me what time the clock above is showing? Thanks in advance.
2:10
